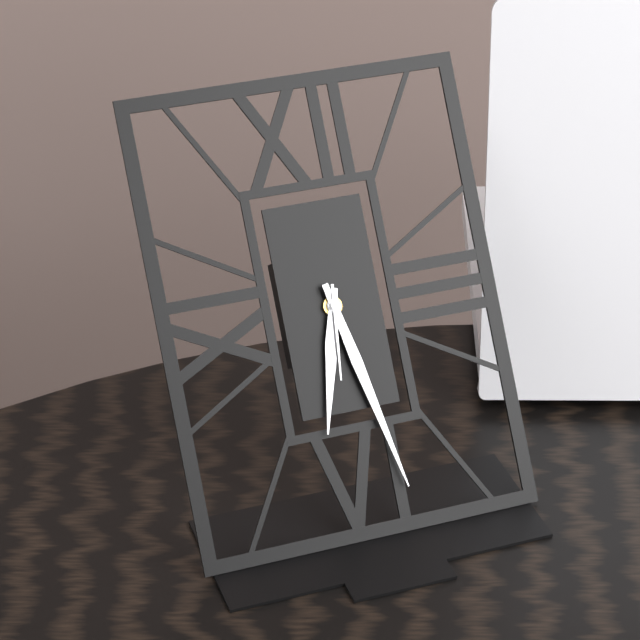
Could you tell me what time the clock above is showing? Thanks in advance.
6:28:31
